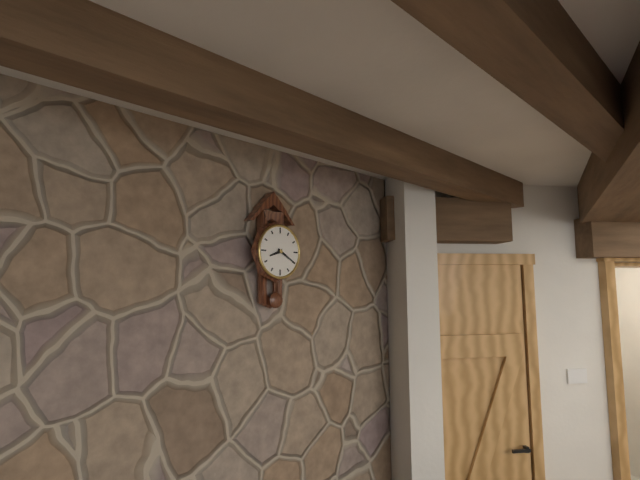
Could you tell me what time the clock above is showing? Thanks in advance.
8:20
